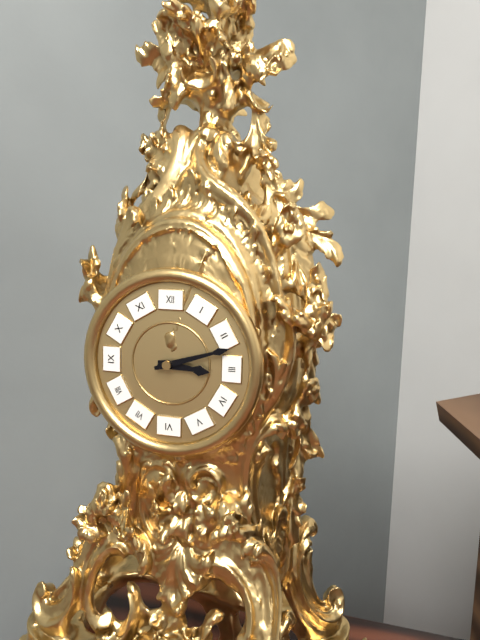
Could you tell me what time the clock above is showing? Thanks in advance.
3:12
